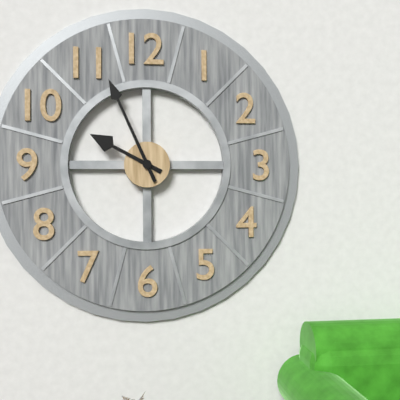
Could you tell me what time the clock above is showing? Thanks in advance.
9:56
